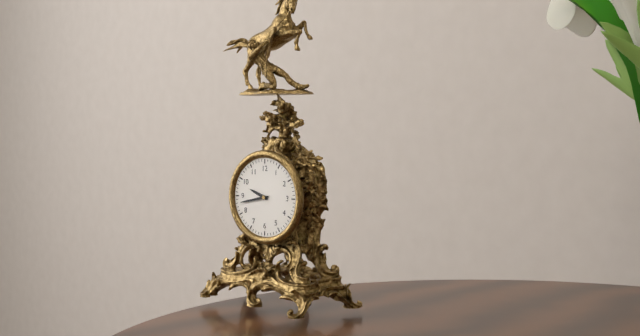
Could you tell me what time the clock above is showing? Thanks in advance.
9:43
